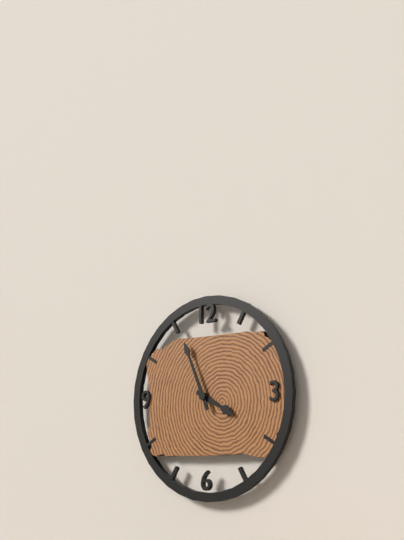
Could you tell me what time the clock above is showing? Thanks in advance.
3:56
